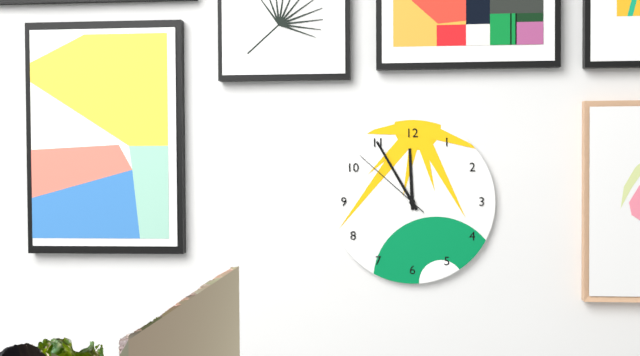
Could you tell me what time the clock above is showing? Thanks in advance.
11:55:52
